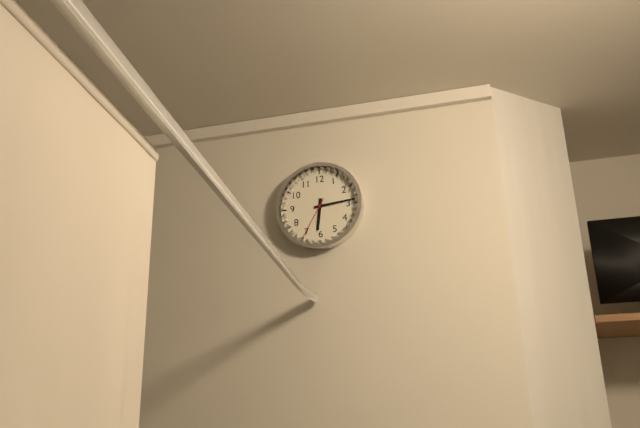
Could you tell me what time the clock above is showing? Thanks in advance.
6:14
